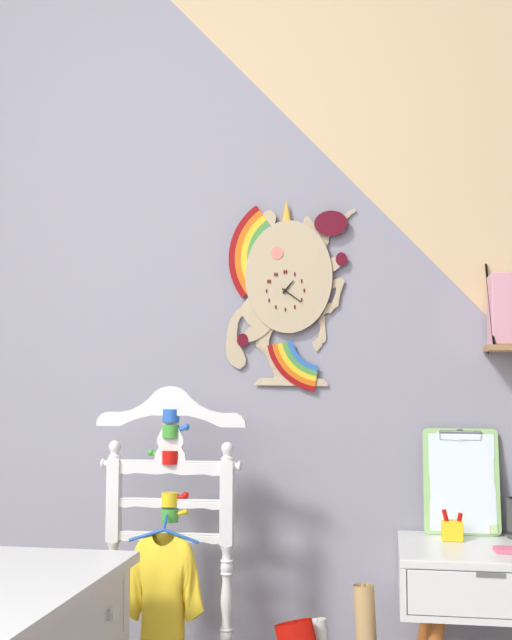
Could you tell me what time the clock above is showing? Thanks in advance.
1:21
